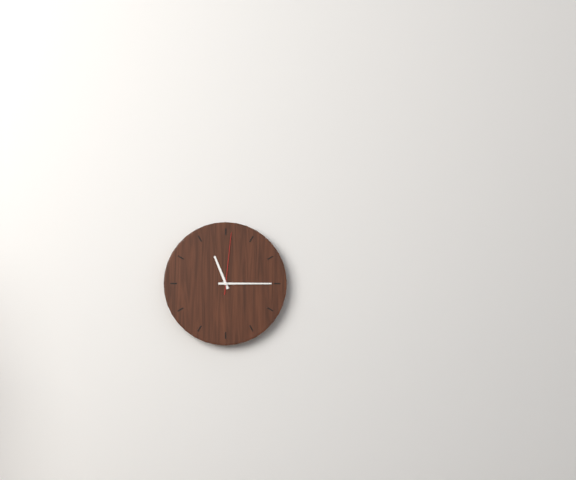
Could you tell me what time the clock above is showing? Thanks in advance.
11:15:01
